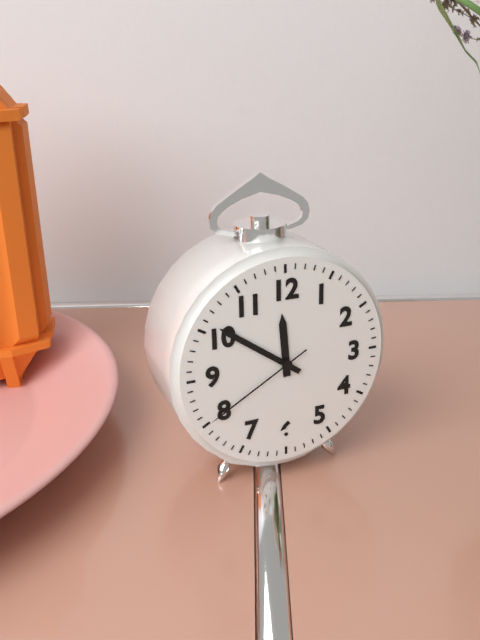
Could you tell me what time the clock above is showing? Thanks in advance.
11:51:40
